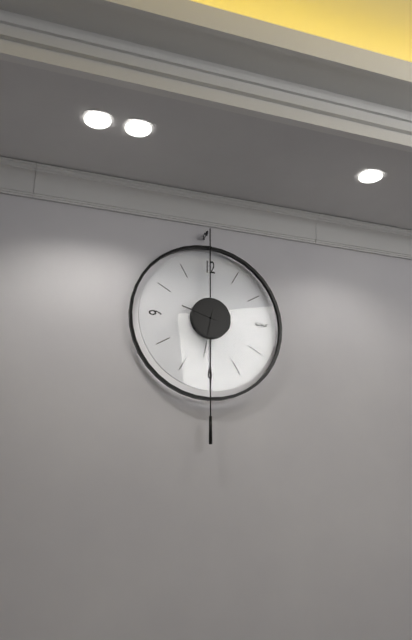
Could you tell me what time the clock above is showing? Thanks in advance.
9:32
